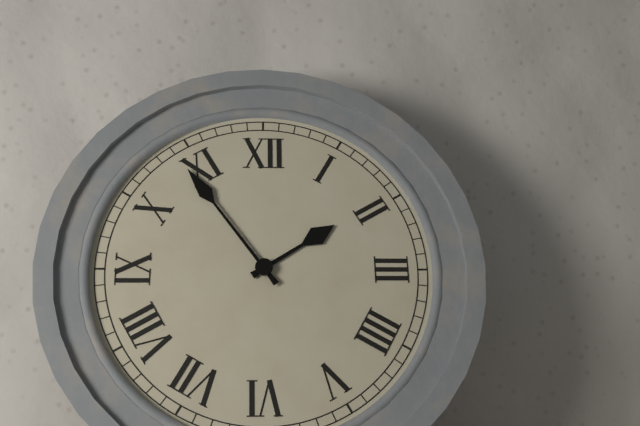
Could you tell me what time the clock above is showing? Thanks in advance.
1:54
